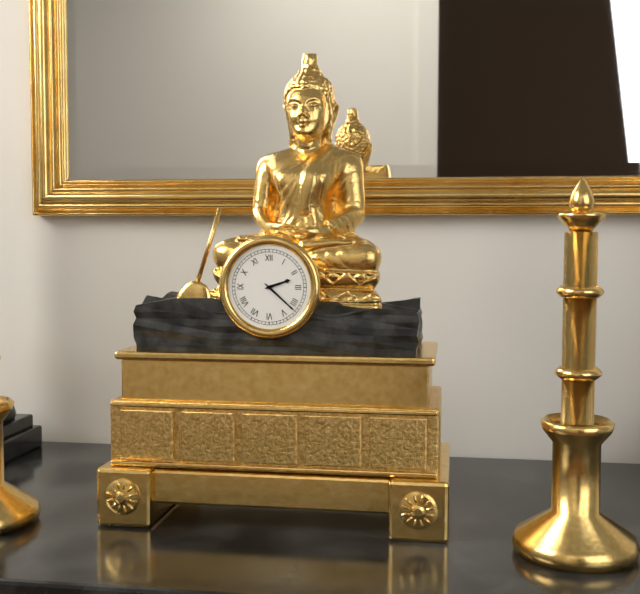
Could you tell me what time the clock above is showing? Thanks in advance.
2:22
